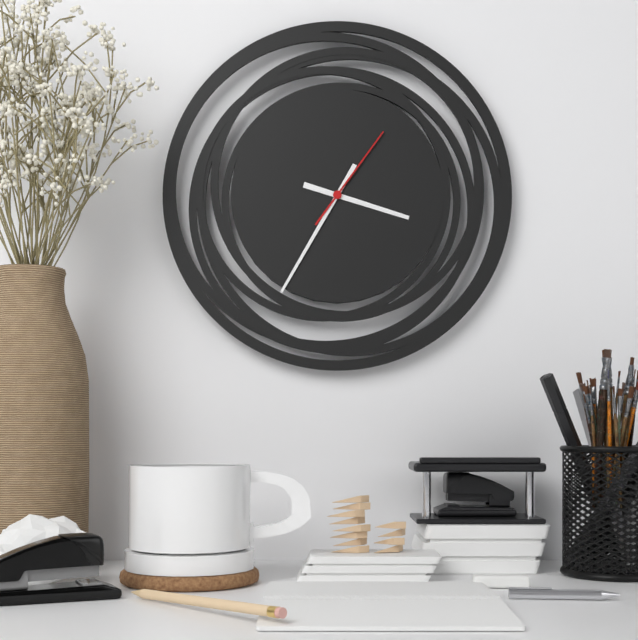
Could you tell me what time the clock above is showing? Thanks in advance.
3:35:06
